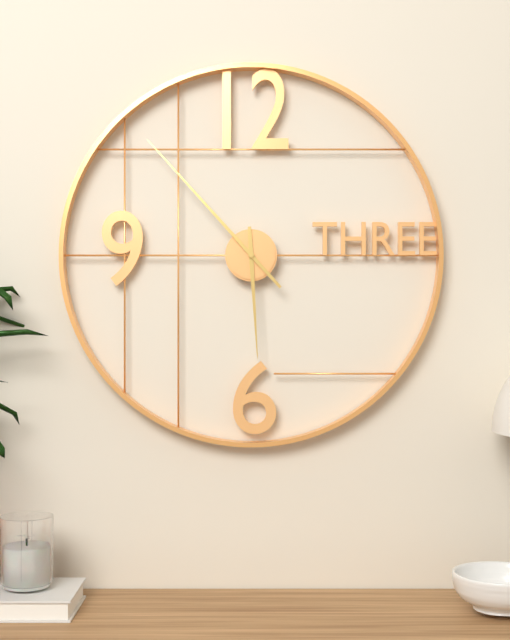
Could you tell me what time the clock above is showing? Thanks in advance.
5:53
